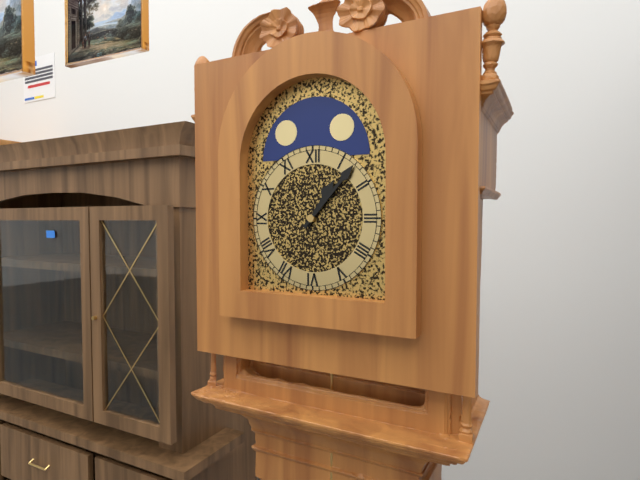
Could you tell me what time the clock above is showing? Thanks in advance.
1:07
